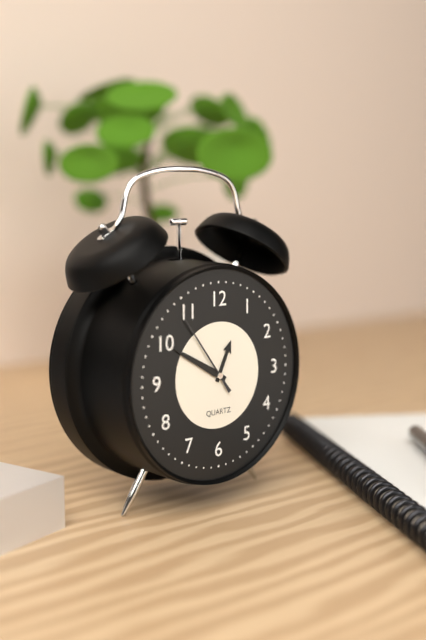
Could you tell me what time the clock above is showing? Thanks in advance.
12:50:54
